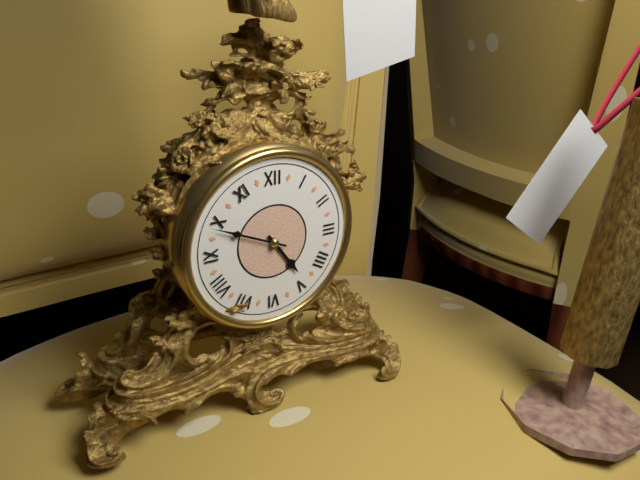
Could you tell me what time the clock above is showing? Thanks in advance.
4:49
